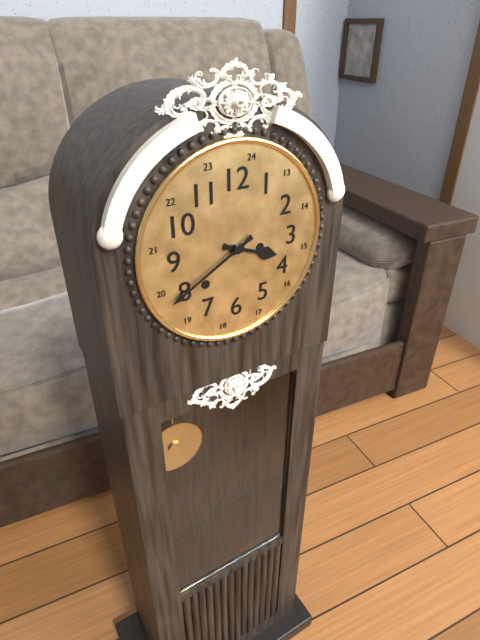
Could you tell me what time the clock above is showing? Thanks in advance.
3:40
